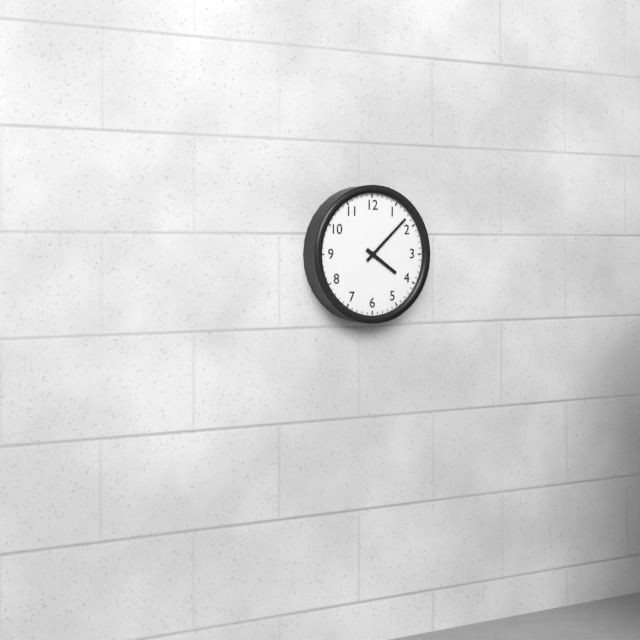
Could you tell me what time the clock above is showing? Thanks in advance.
4:08
